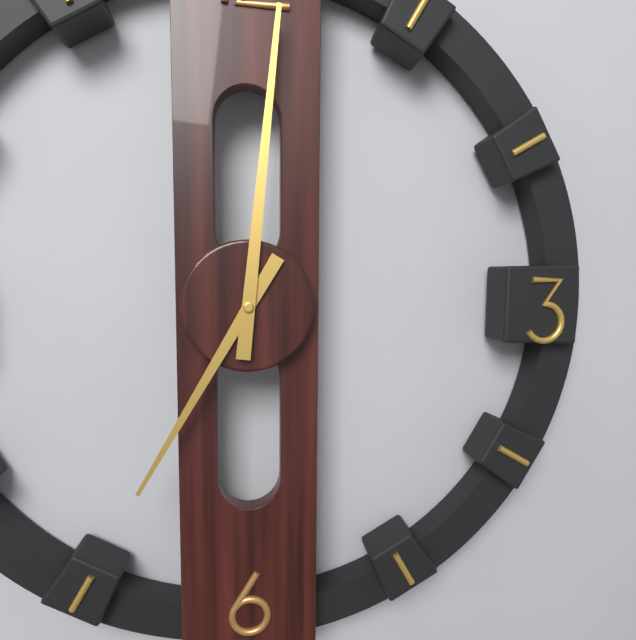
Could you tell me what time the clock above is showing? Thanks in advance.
7:01
